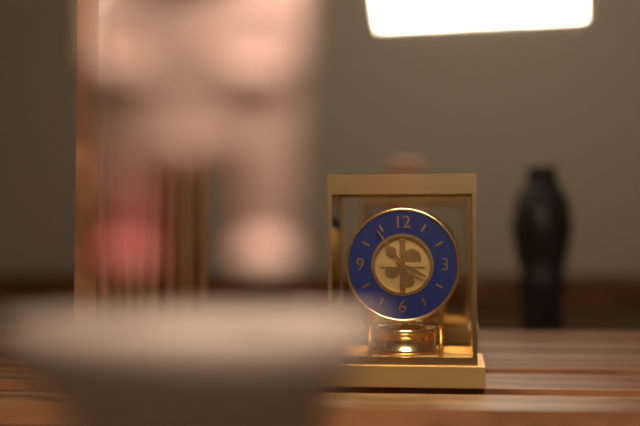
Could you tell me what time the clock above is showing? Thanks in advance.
3:54
